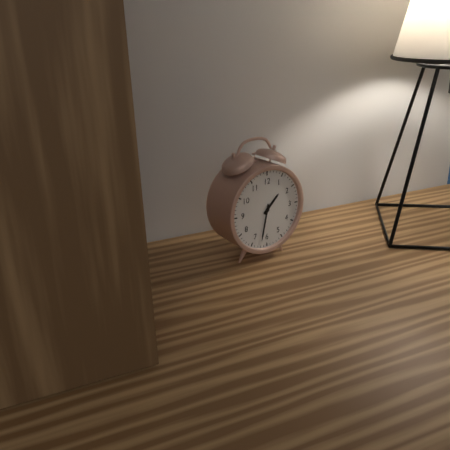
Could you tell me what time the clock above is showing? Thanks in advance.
1:32
